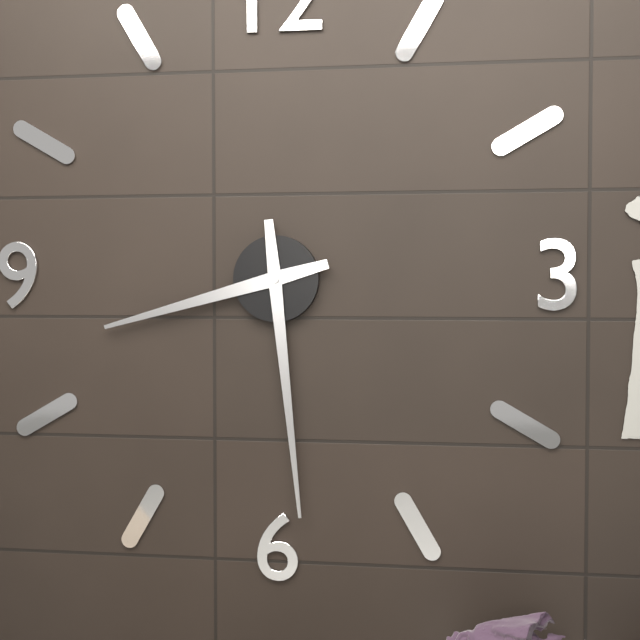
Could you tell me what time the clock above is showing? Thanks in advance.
8:29
